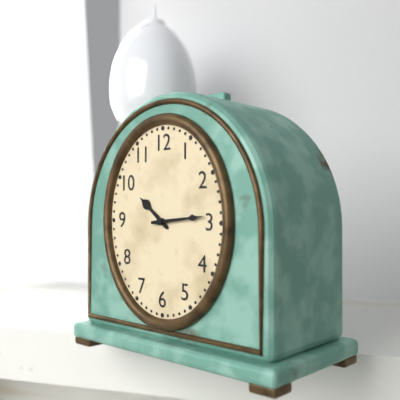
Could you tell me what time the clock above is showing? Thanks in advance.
10:14
